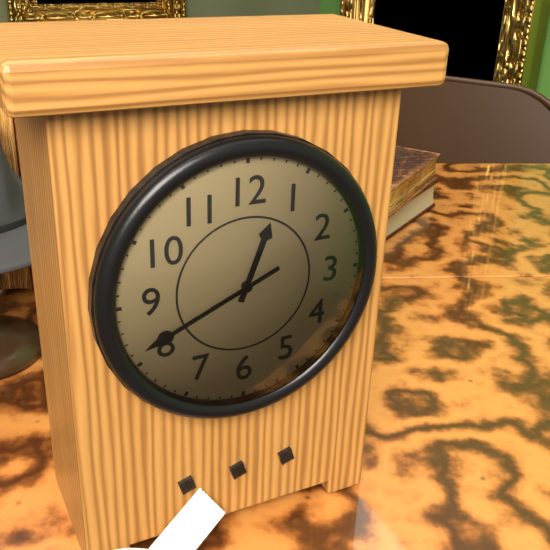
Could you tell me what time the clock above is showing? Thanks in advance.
12:41
